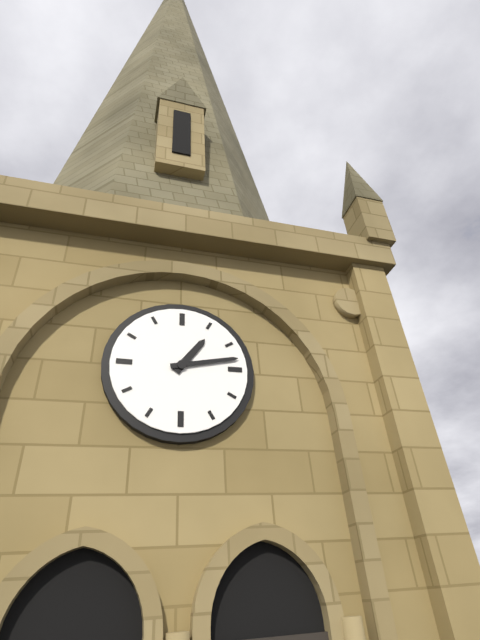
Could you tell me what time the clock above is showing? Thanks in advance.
1:13
